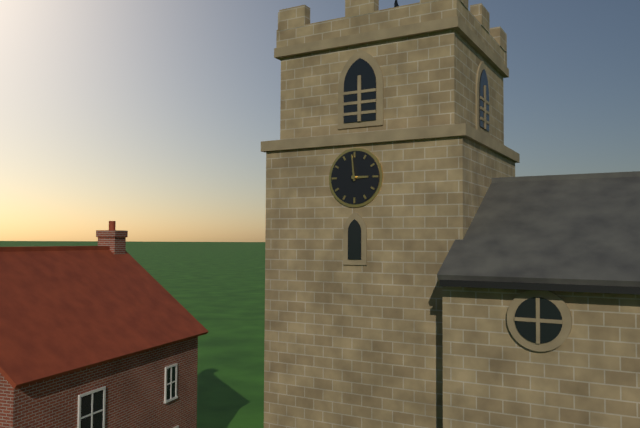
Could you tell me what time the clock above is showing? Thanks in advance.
2:59
